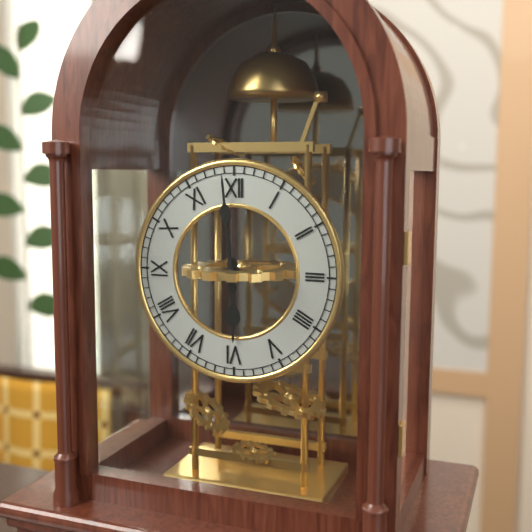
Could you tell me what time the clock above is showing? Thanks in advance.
5:59
